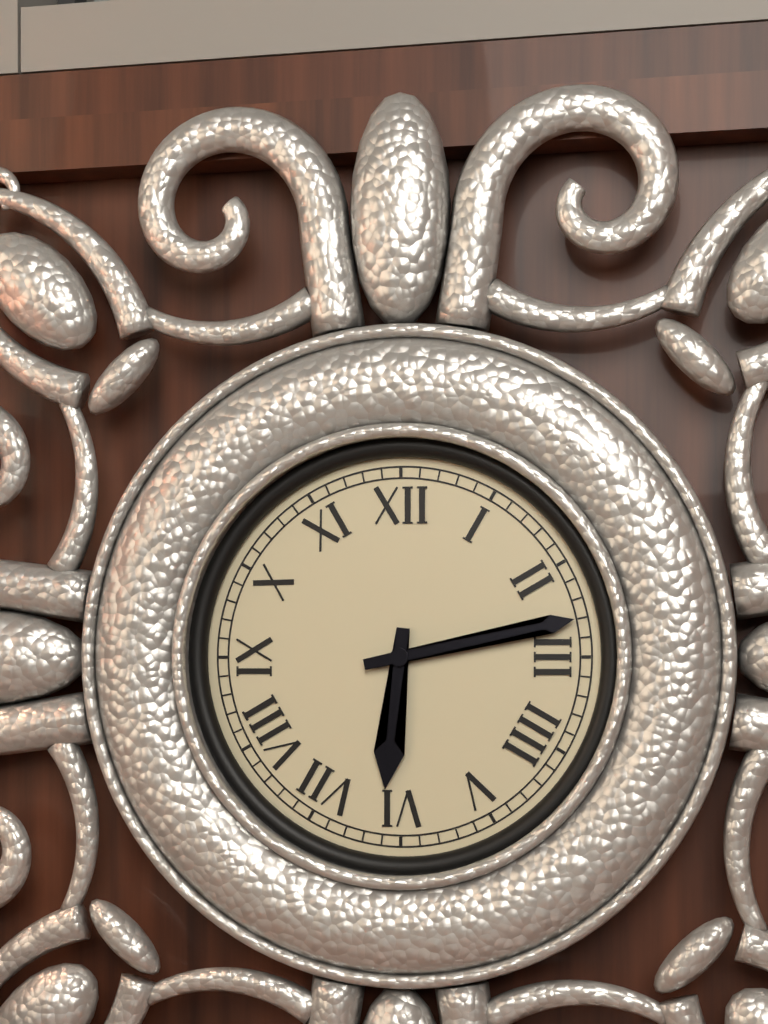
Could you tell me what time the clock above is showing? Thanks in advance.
6:13
